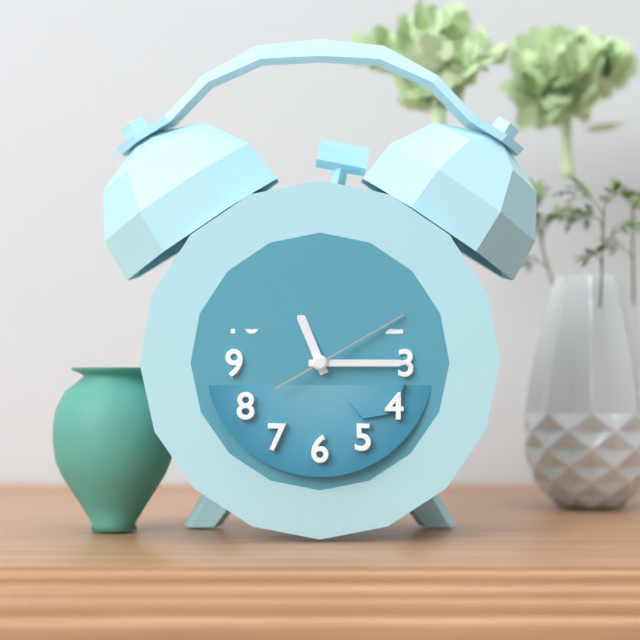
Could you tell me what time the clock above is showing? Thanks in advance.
11:15:10
